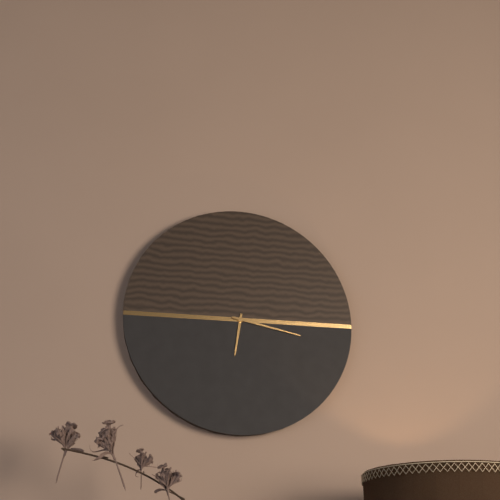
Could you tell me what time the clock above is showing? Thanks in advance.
6:17
